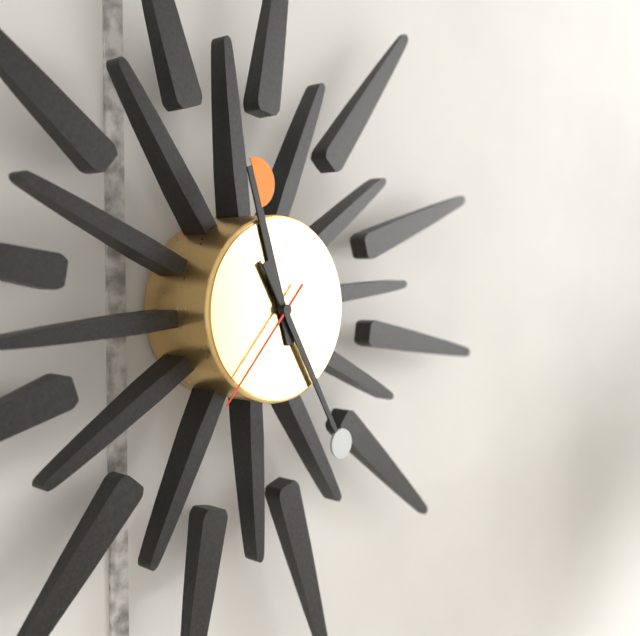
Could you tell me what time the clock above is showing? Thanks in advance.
11:25:37
